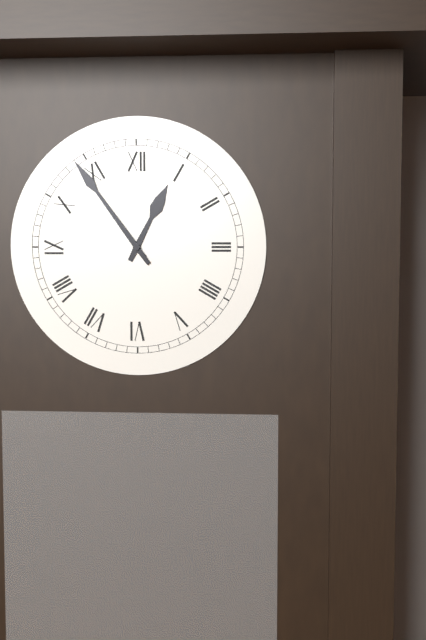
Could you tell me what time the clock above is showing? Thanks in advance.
12:54
